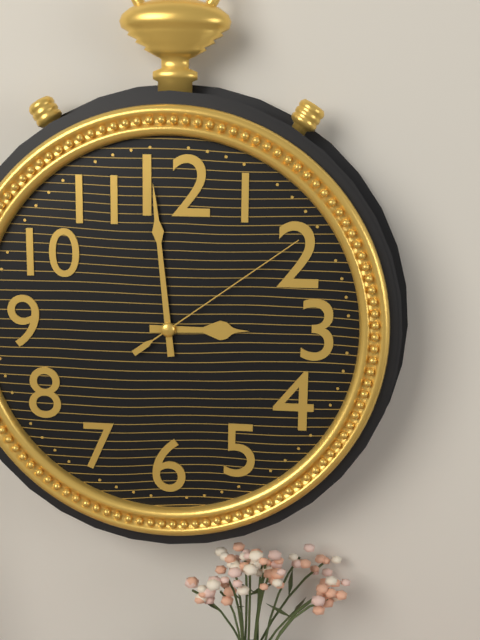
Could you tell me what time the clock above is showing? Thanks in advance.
2:59:09
